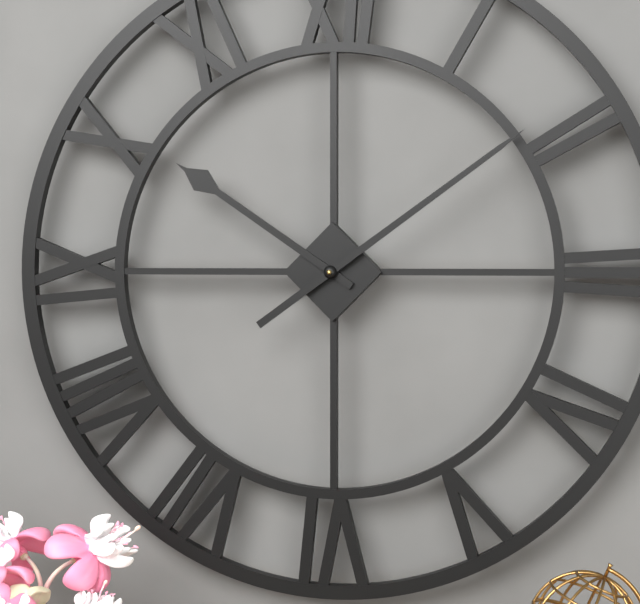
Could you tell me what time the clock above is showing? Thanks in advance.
10:09
